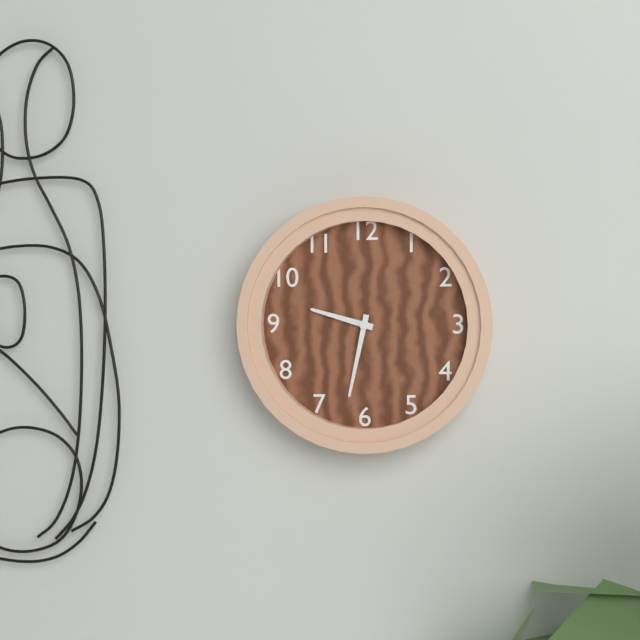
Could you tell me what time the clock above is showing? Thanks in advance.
9:32
